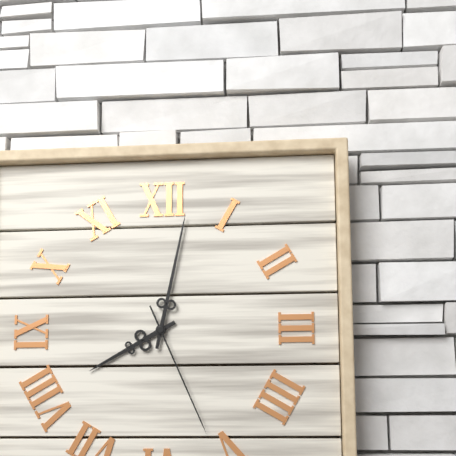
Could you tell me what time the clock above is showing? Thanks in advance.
8:02:26
